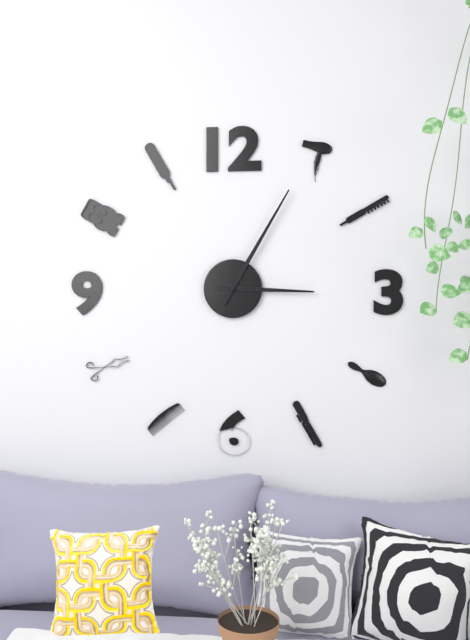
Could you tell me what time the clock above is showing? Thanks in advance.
3:05
